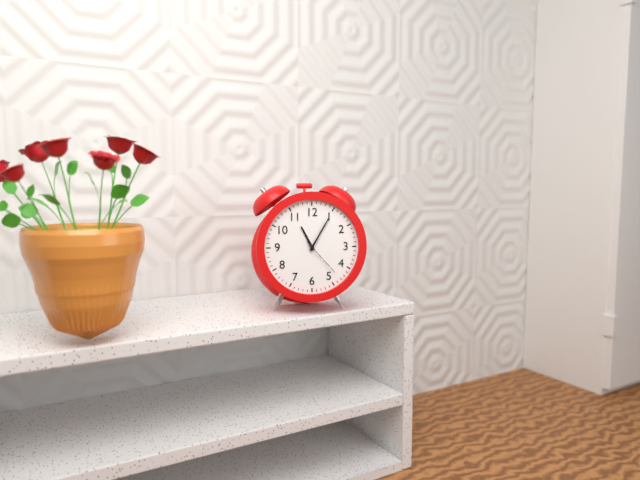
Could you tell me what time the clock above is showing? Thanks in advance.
11:05
